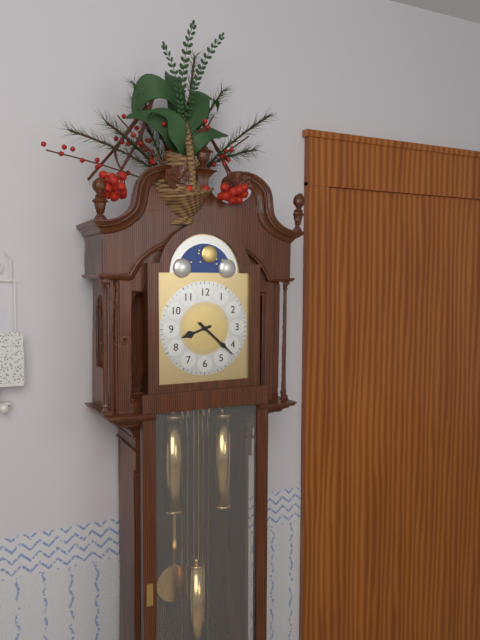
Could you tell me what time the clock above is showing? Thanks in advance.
8:22
